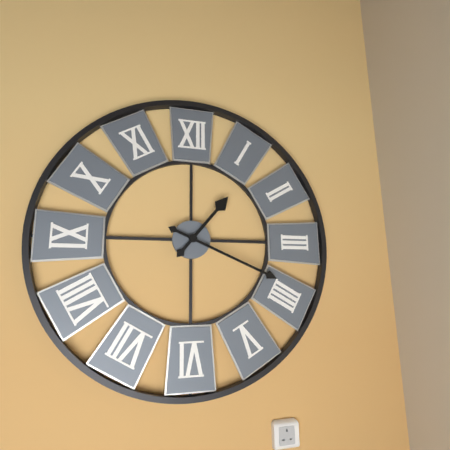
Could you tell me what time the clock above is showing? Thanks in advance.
1:19
